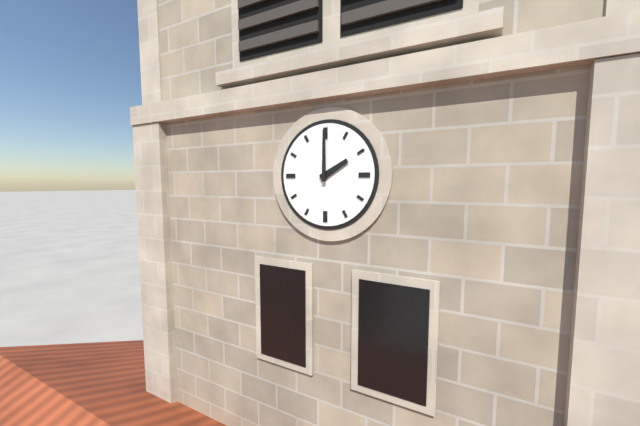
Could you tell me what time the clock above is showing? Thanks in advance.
2:00
